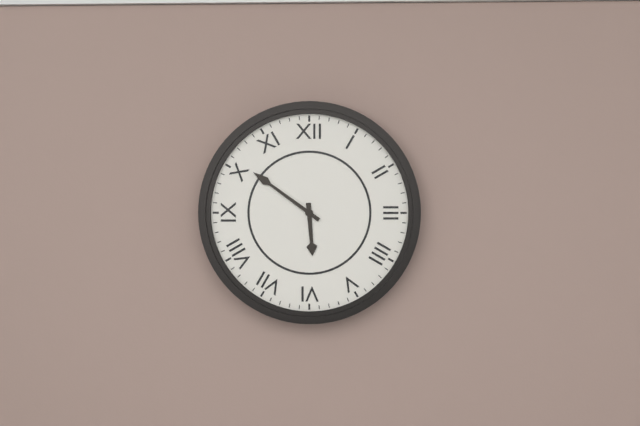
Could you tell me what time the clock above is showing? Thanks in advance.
5:51
